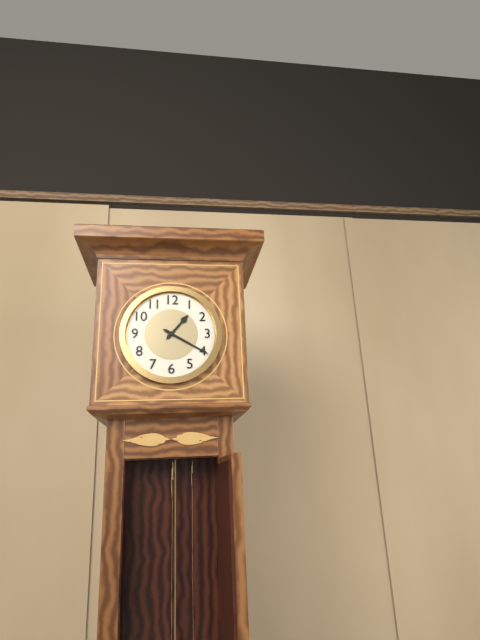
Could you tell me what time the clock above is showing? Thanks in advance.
1:20
